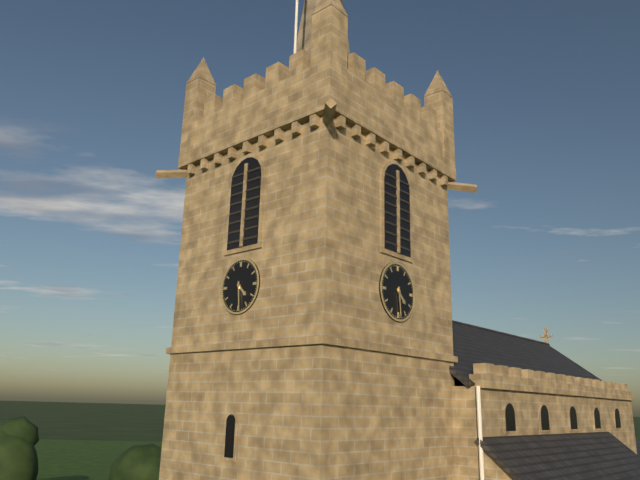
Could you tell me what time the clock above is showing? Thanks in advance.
4:29
